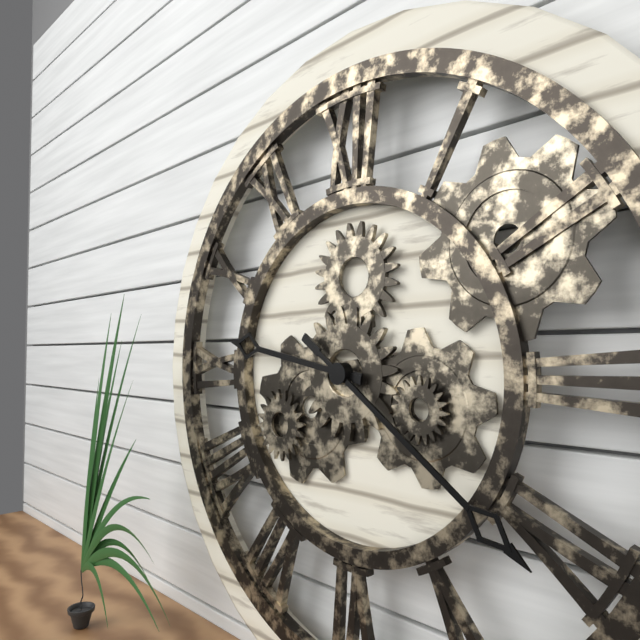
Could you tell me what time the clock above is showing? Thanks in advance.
9:21
